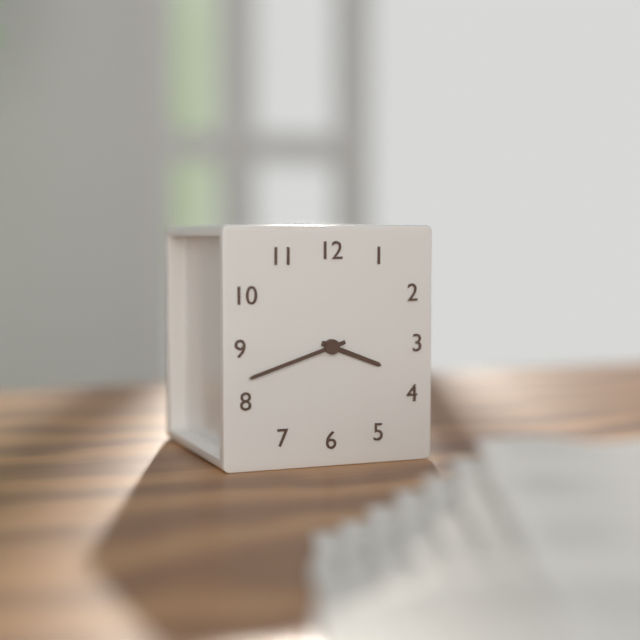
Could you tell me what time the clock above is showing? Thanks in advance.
3:42
